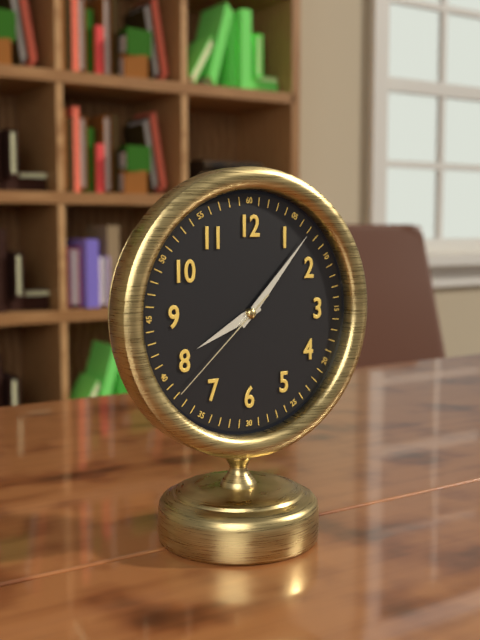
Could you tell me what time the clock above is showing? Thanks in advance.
8:07:38
